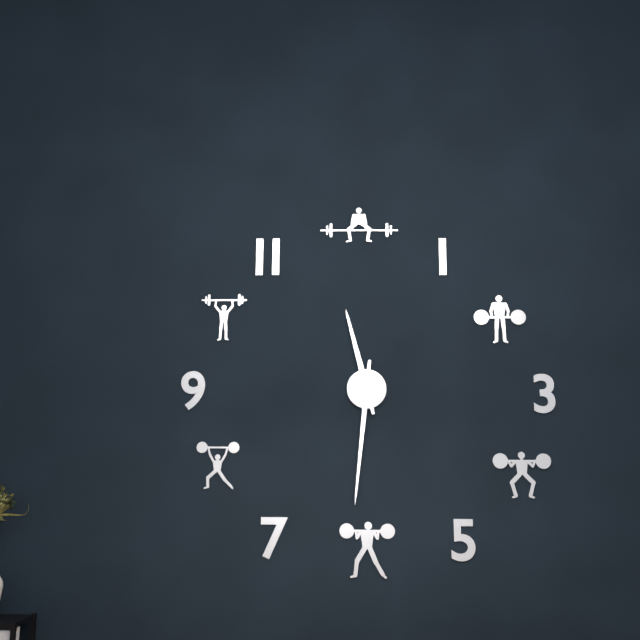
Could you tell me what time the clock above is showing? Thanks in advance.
11:31
